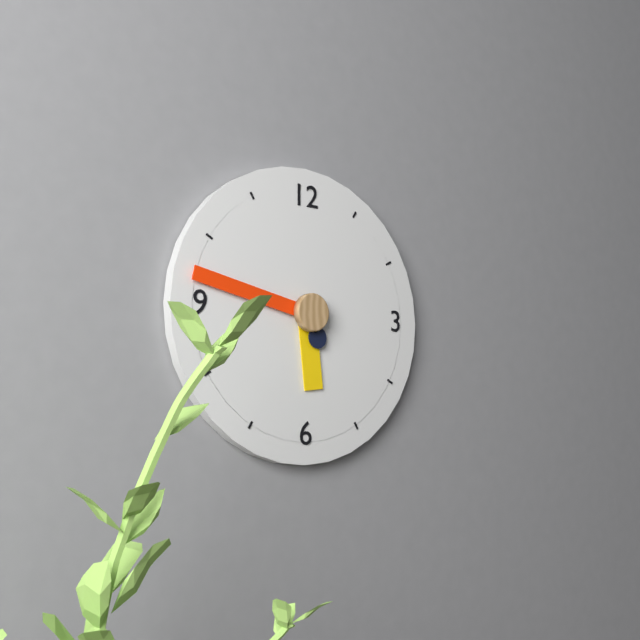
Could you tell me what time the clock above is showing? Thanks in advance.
5:47
